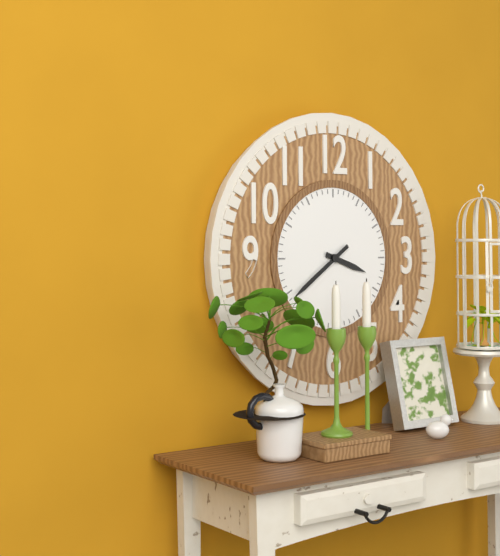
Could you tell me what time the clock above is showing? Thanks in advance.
3:39
